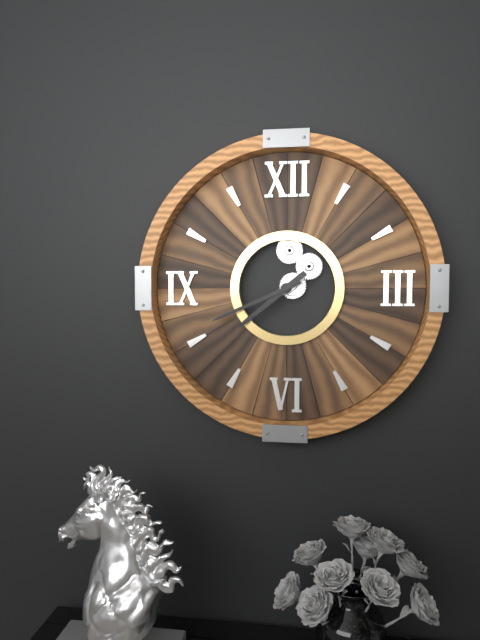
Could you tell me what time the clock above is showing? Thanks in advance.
7:41
